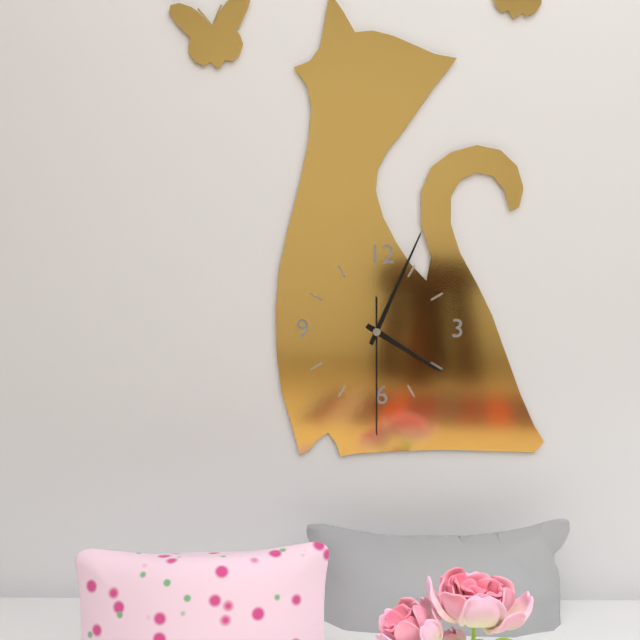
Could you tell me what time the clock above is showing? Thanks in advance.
4:04:30
